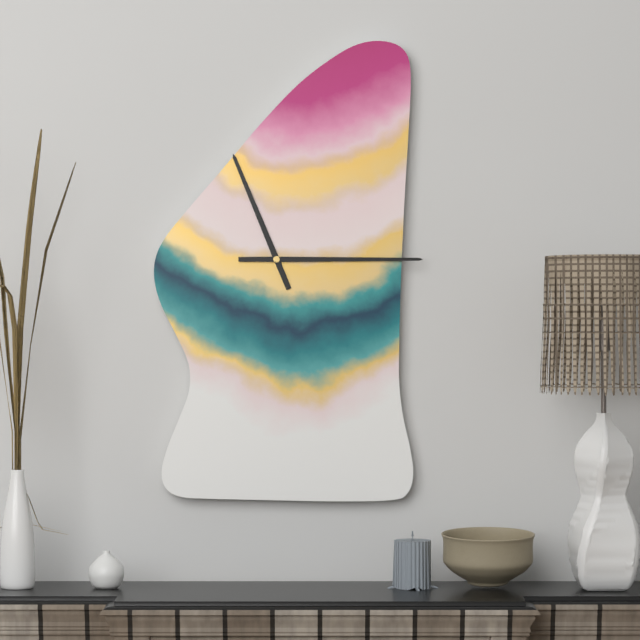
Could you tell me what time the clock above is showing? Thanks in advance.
11:15
